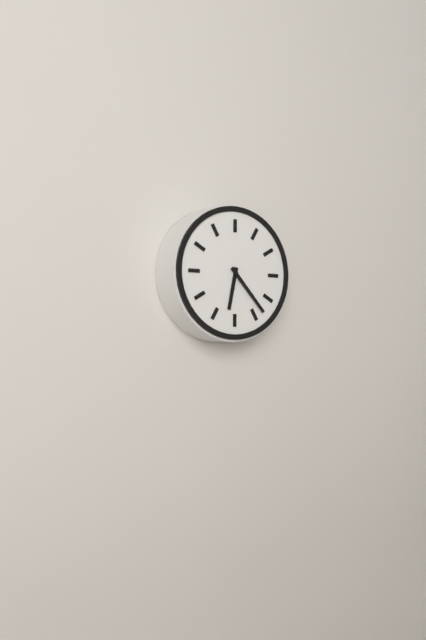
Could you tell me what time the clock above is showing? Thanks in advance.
6:23
